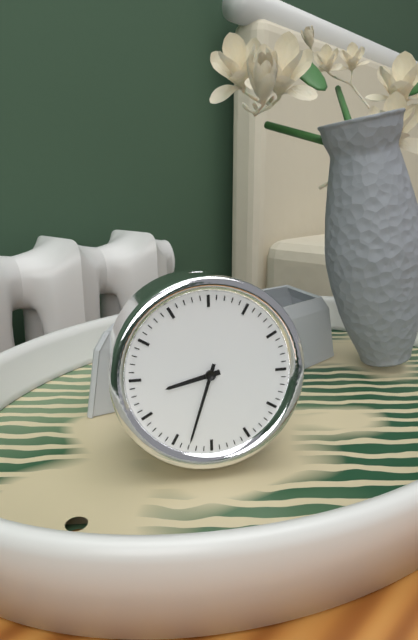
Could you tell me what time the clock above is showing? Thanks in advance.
8:33
